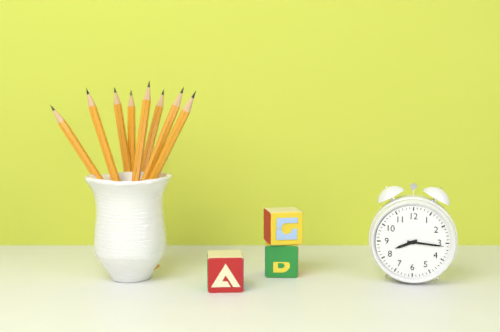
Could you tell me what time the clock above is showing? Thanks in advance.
8:16
